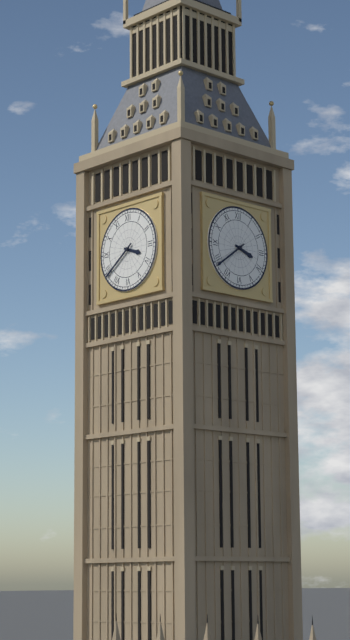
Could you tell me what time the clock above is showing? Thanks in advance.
3:39
